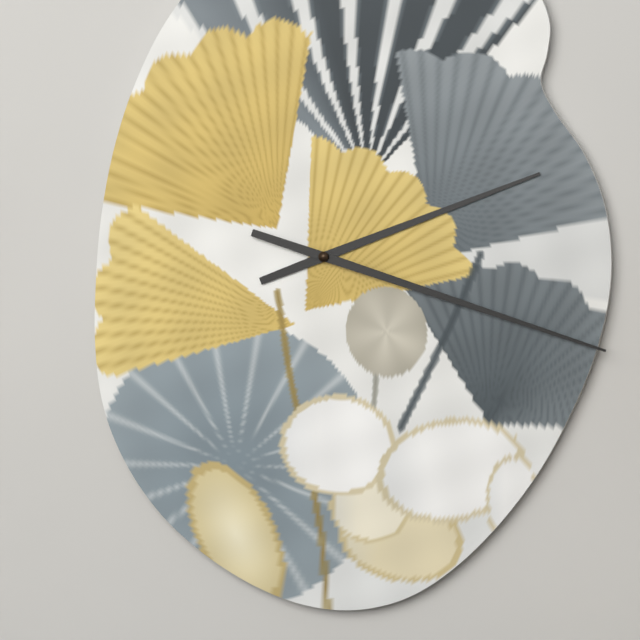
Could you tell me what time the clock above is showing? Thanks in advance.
2:18
